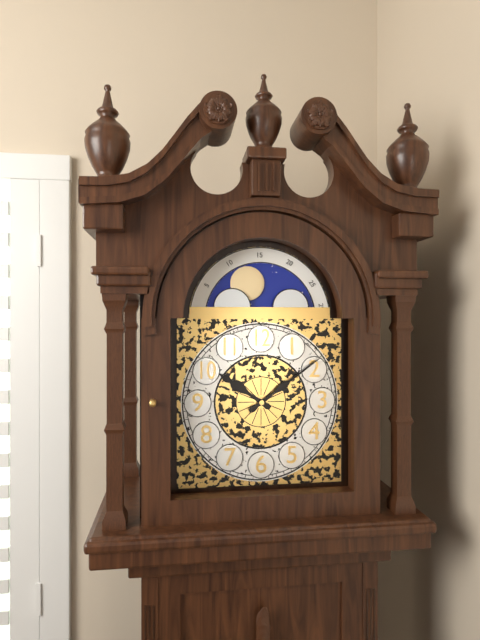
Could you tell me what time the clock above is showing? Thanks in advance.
10:09
